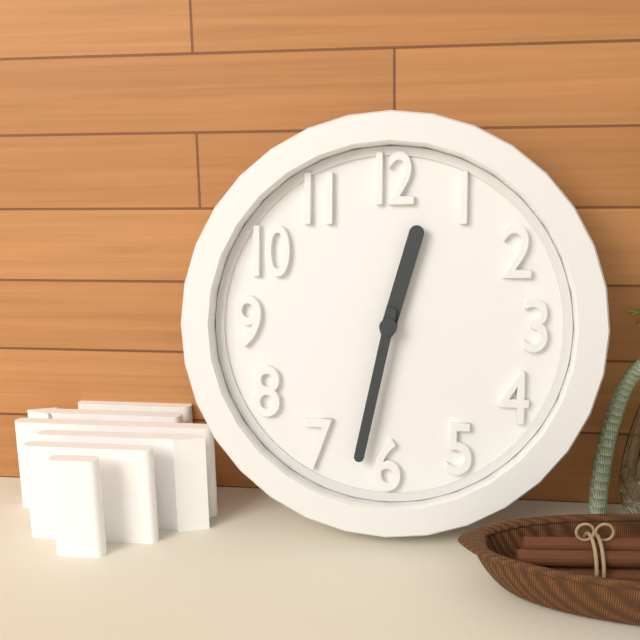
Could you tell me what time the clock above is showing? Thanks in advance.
12:32
